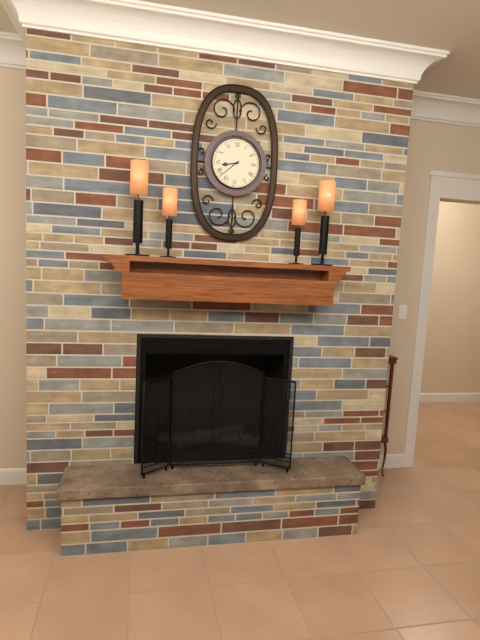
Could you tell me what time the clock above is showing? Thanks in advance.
8:38
